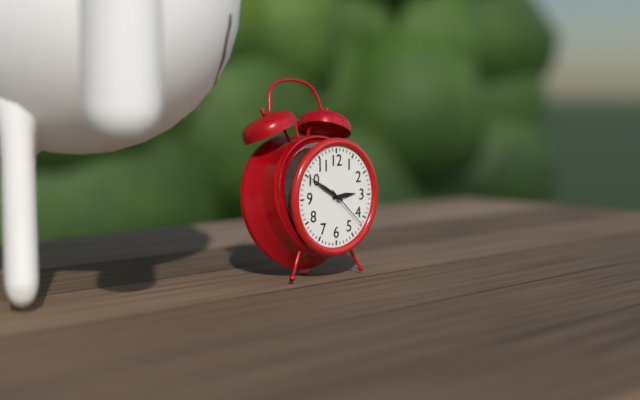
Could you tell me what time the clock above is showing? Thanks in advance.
2:50
